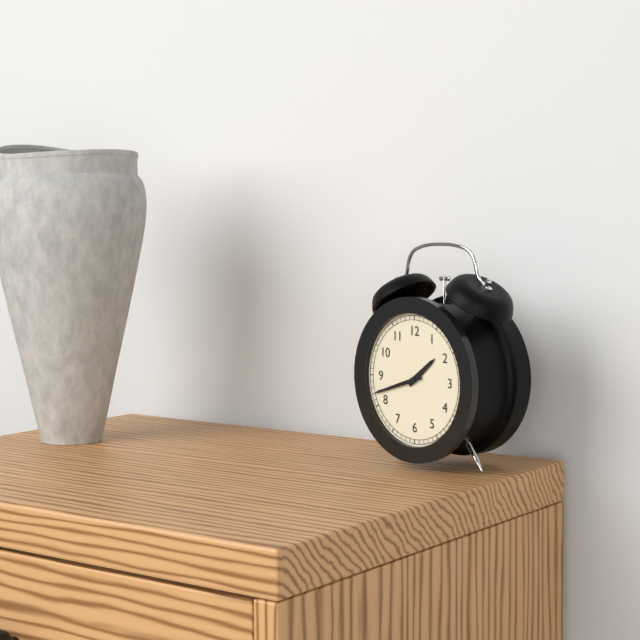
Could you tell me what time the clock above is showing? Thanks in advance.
1:42
